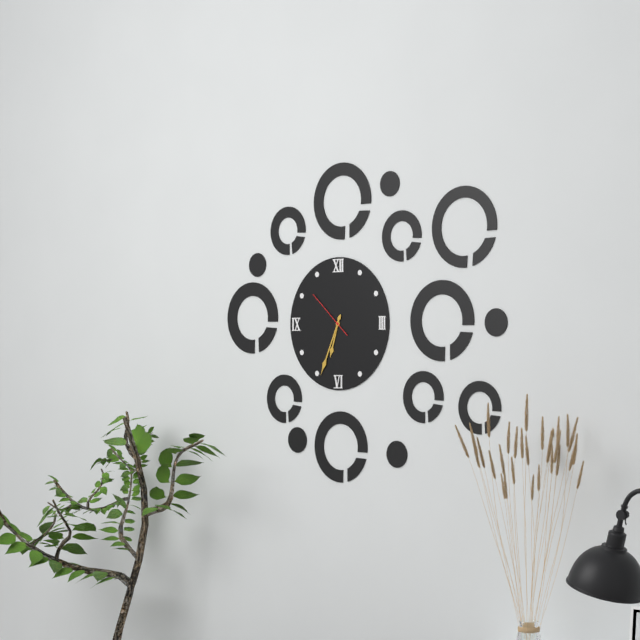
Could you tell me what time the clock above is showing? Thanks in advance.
6:34
